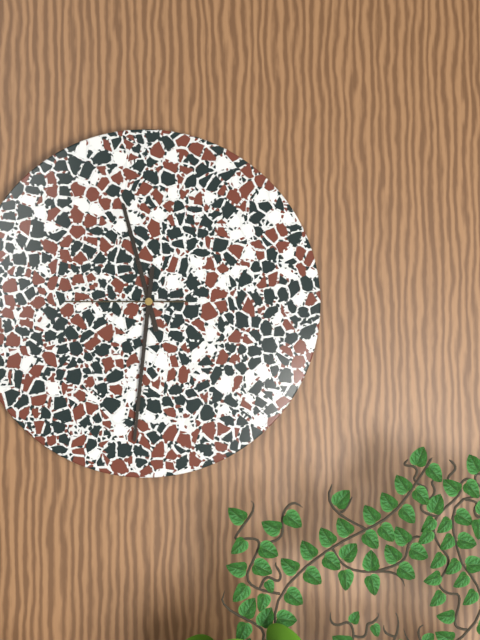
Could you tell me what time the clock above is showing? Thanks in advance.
11:31:45
